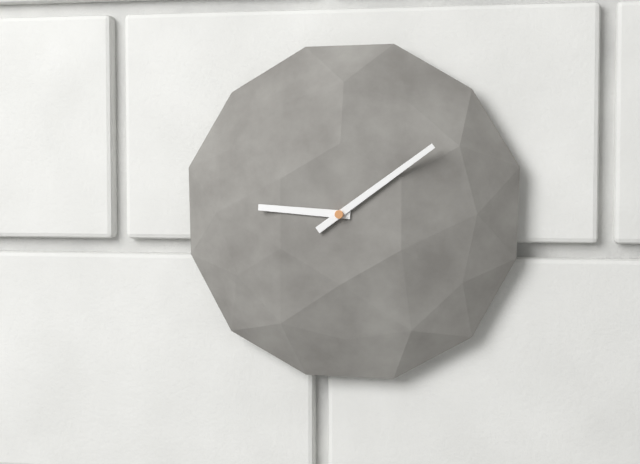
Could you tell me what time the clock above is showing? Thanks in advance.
9:09
